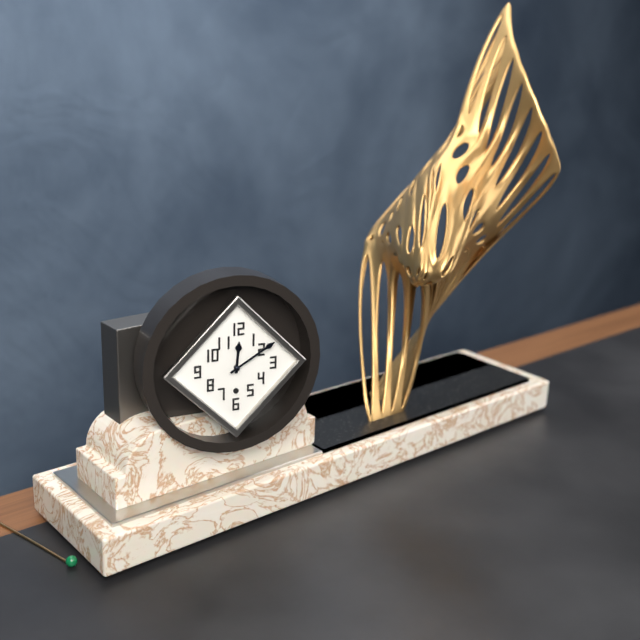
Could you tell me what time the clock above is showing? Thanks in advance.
12:10
